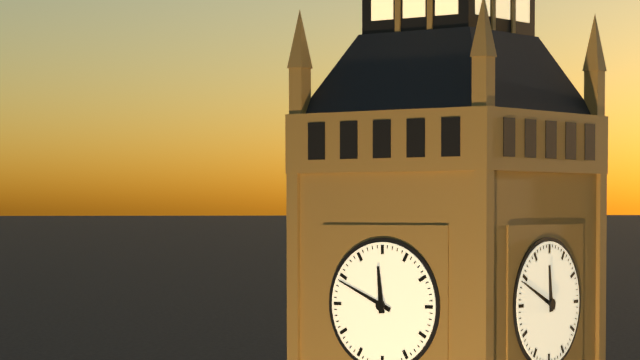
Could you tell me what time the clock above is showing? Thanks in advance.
11:49
